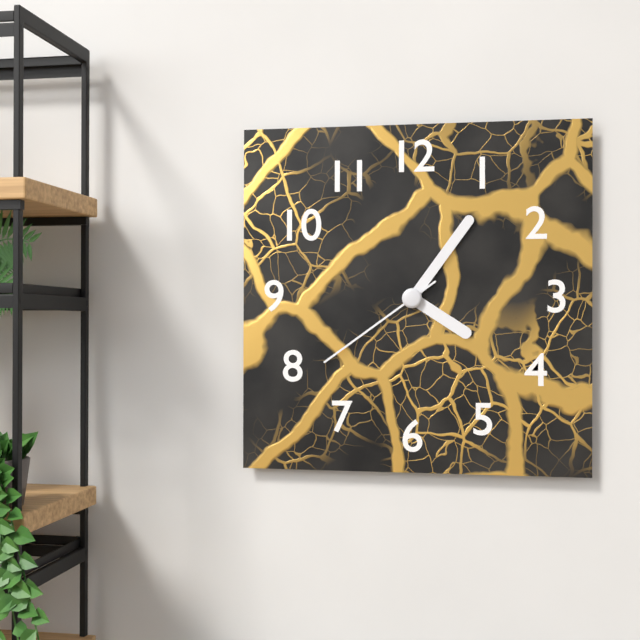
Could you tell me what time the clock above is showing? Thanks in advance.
4:06:39
